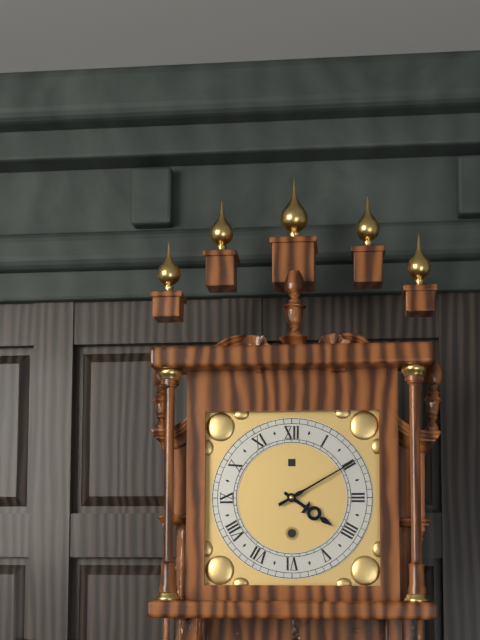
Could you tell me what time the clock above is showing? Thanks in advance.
4:10
